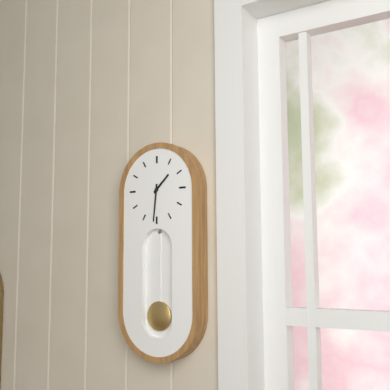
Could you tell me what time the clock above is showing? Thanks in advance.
1:31
